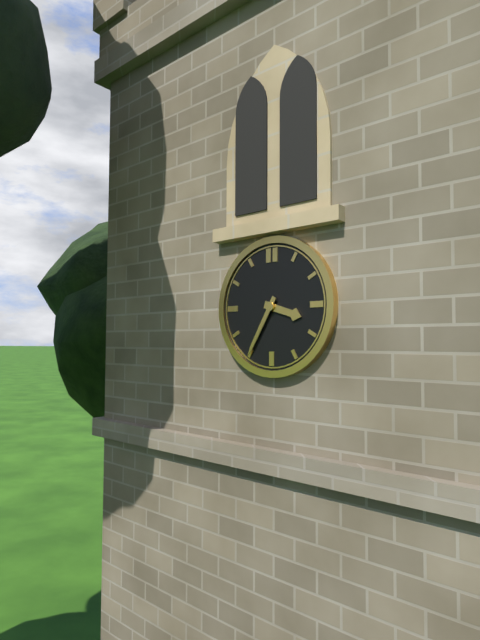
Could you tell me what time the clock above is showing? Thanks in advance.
3:35
